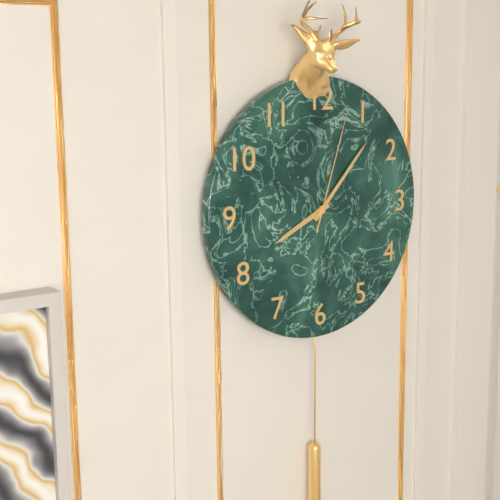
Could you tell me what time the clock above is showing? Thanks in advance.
8:07:03
